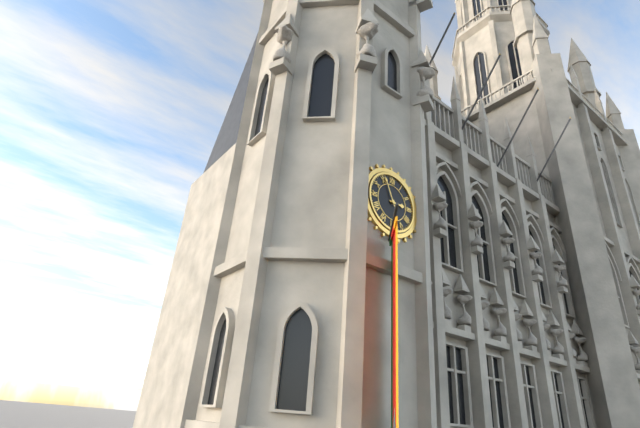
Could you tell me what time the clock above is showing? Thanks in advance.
2:56
